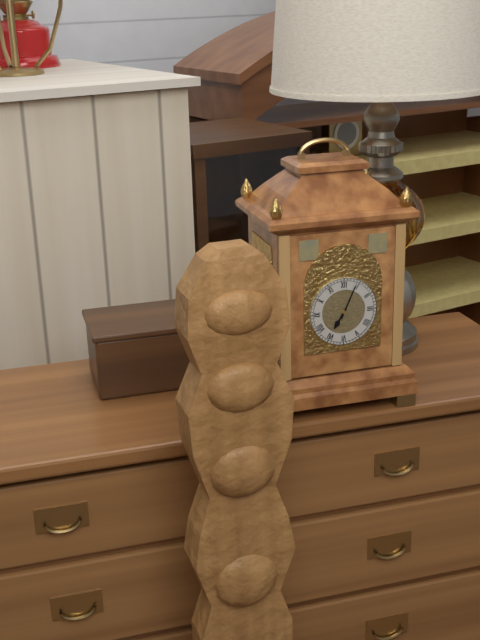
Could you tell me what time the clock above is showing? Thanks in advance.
7:04
